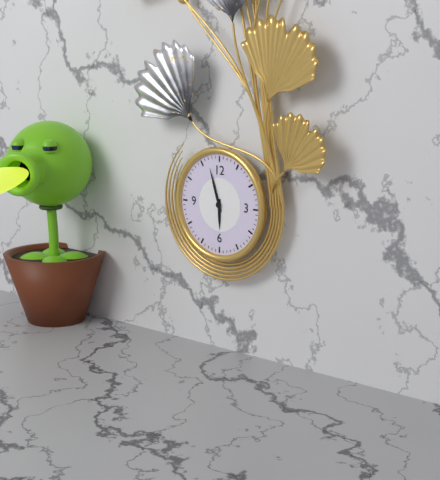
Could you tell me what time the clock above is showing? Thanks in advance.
5:57
